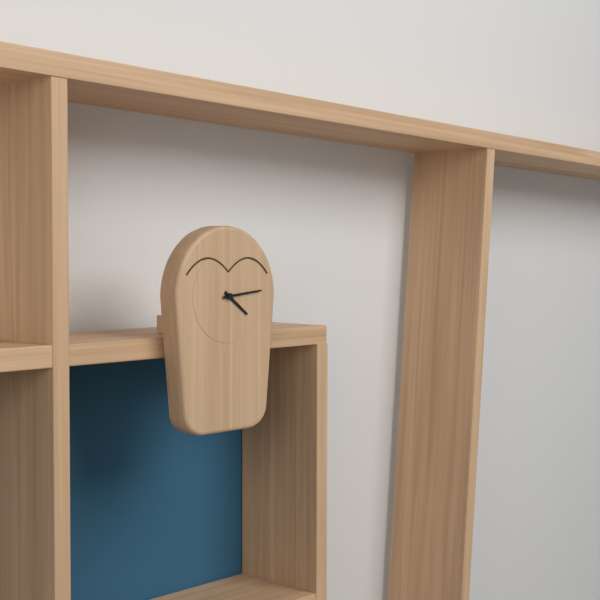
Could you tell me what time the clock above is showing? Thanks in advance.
4:14
